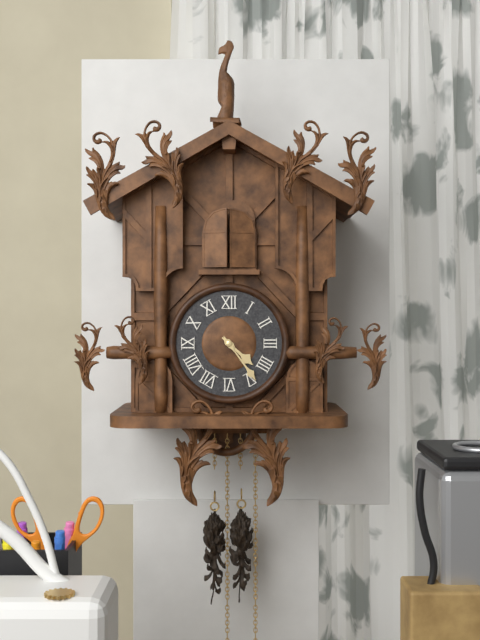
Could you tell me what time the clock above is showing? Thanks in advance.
4:24
